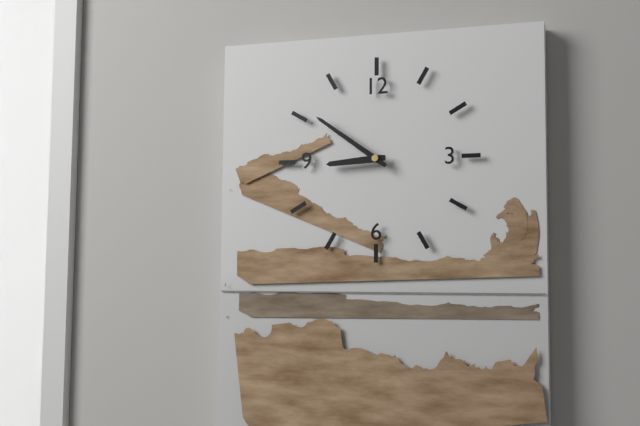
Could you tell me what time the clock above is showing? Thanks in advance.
8:51
